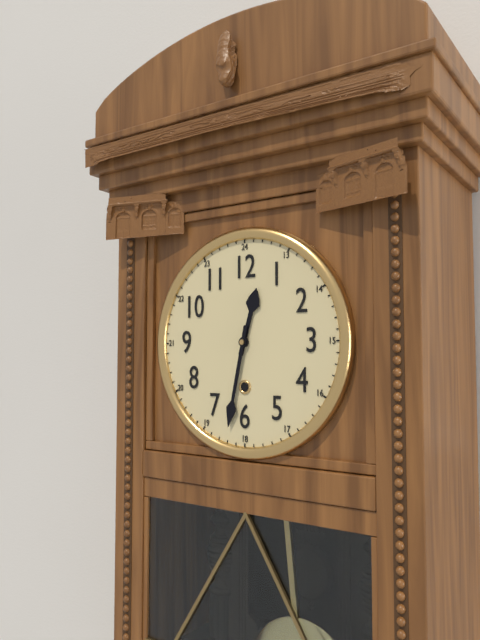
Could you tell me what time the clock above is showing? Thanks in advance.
12:32
